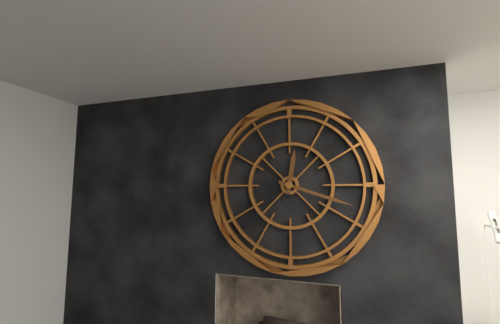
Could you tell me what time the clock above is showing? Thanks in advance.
12:18
